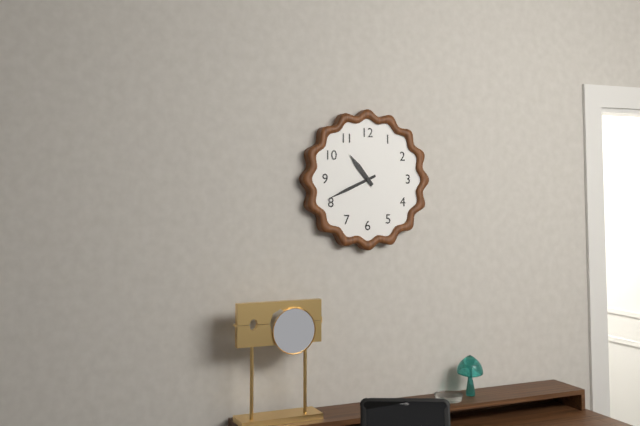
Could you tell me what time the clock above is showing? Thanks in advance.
10:41
